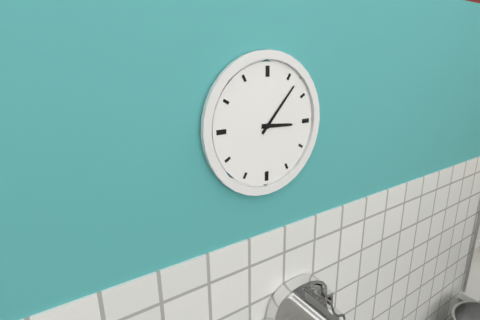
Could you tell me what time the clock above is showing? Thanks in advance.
3:07
